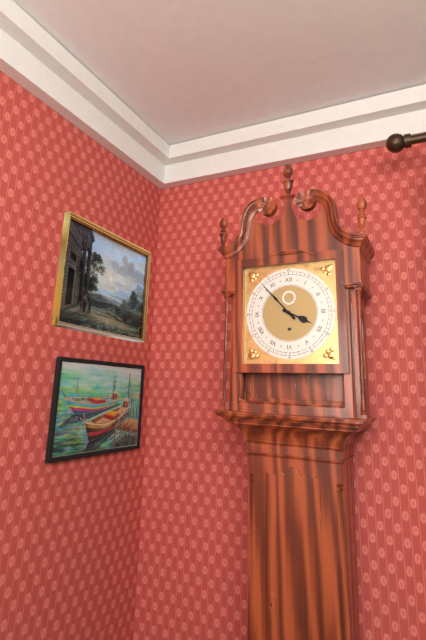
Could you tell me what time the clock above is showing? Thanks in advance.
3:53
